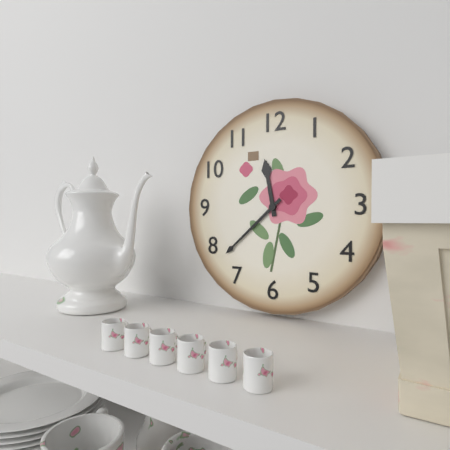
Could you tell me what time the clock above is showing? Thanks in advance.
11:38
